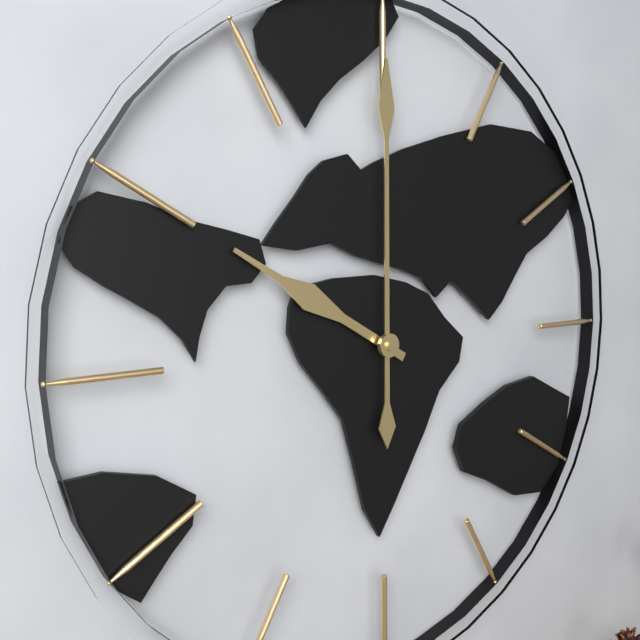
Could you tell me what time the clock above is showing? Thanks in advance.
10:00
